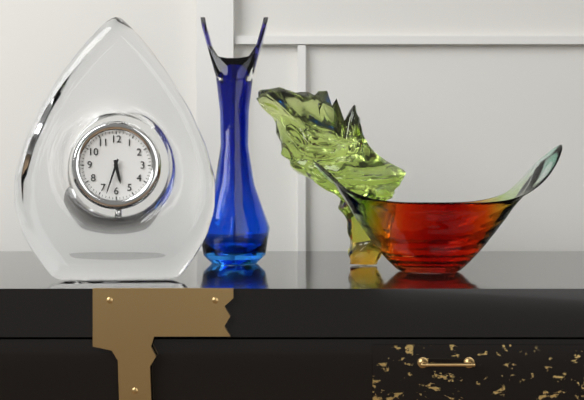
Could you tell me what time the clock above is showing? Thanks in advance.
5:33
